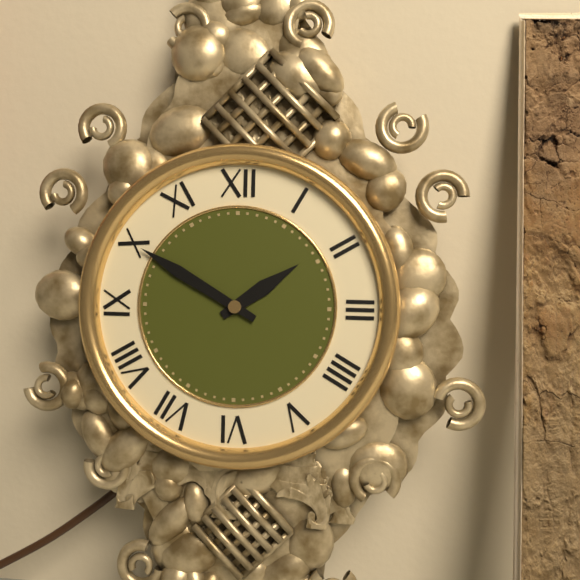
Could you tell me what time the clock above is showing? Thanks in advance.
1:50
